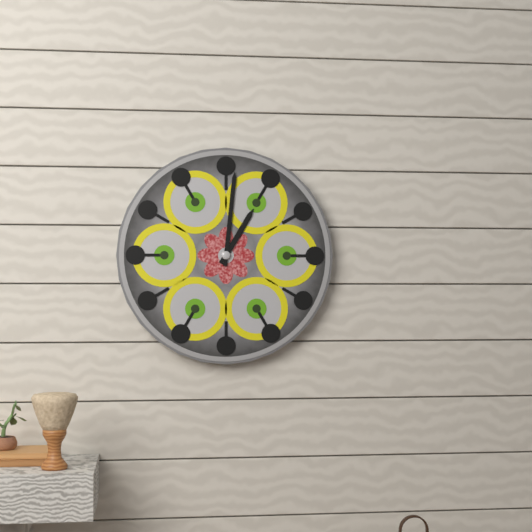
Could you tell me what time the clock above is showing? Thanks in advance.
1:01
